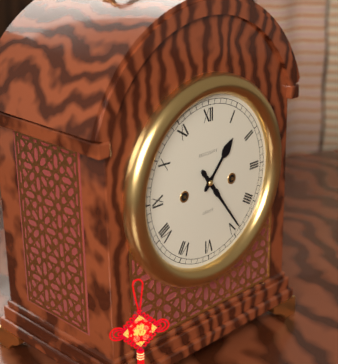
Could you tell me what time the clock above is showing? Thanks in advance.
1:24
